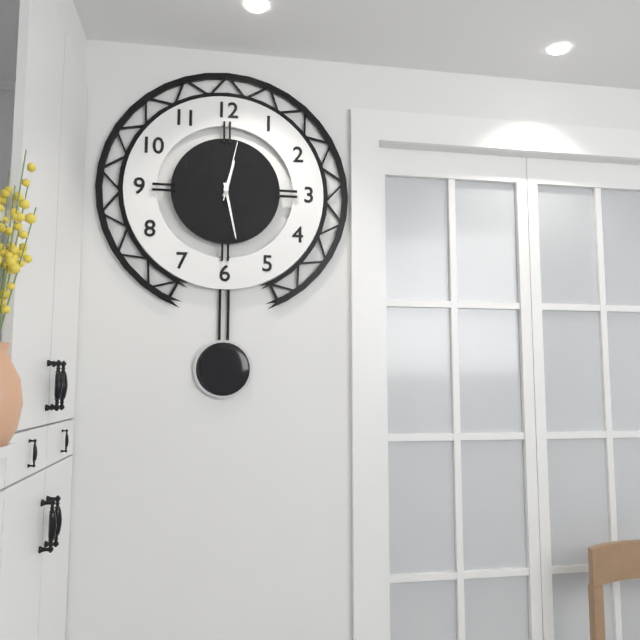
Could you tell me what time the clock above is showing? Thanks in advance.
12:28:02
